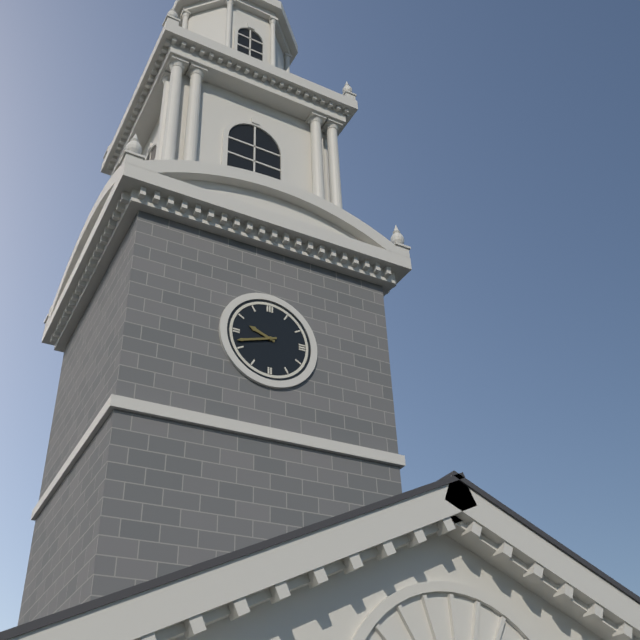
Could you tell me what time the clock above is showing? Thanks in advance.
9:42
